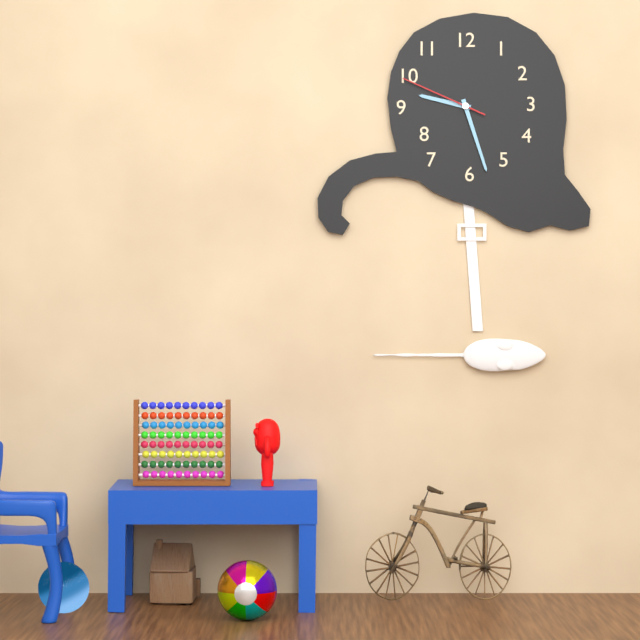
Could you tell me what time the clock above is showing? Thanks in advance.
9:27:49
